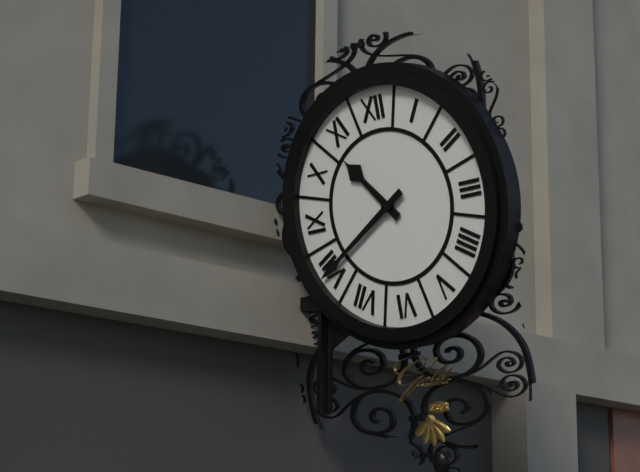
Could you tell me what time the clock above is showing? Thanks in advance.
10:40
